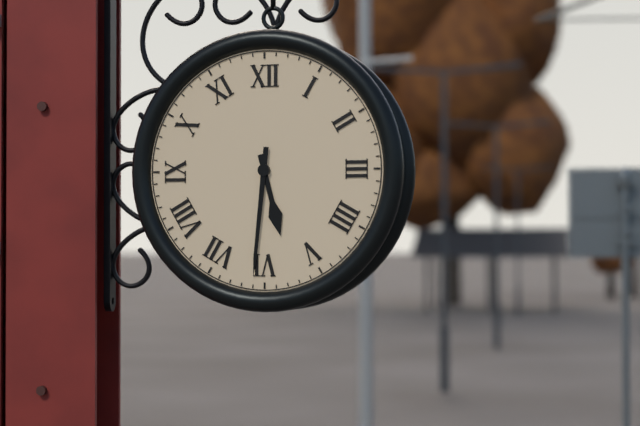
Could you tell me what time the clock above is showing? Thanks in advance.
5:31
